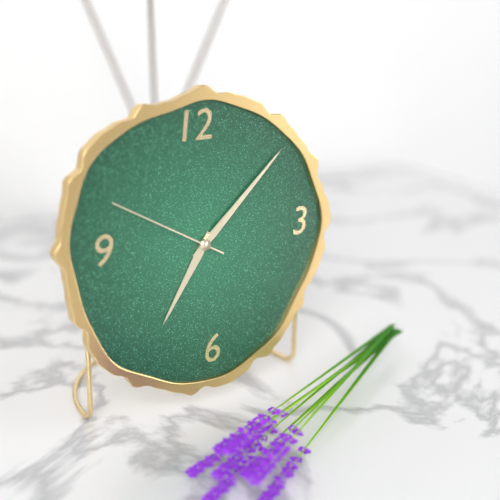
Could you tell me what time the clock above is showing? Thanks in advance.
7:08:50
